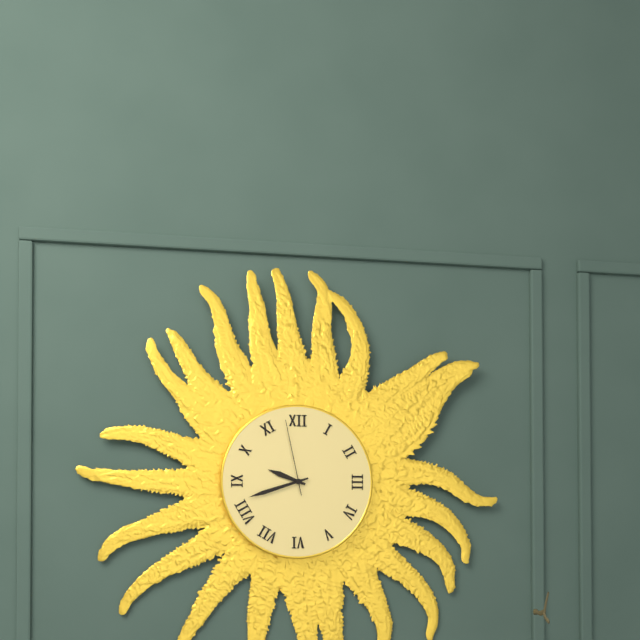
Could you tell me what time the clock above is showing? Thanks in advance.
9:42:58
